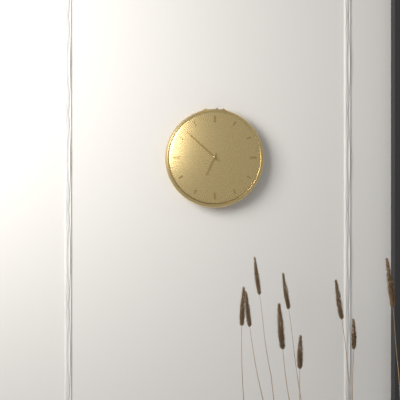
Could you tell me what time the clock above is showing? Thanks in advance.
6:52
